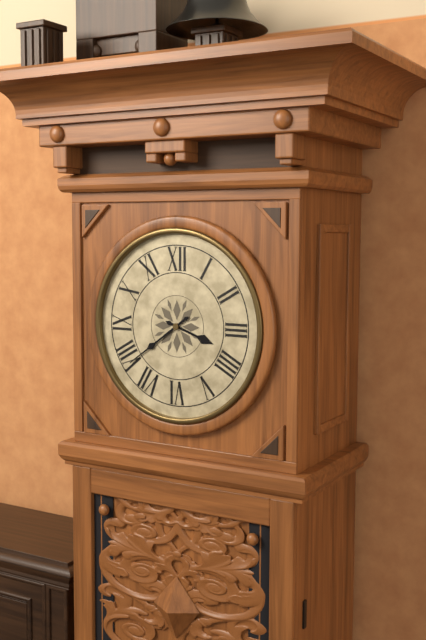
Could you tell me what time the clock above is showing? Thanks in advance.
3:39
